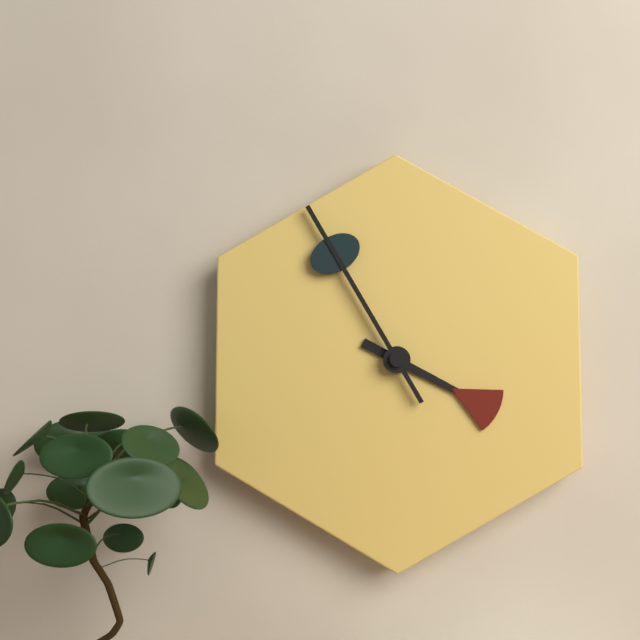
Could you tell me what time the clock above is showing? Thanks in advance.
3:55
